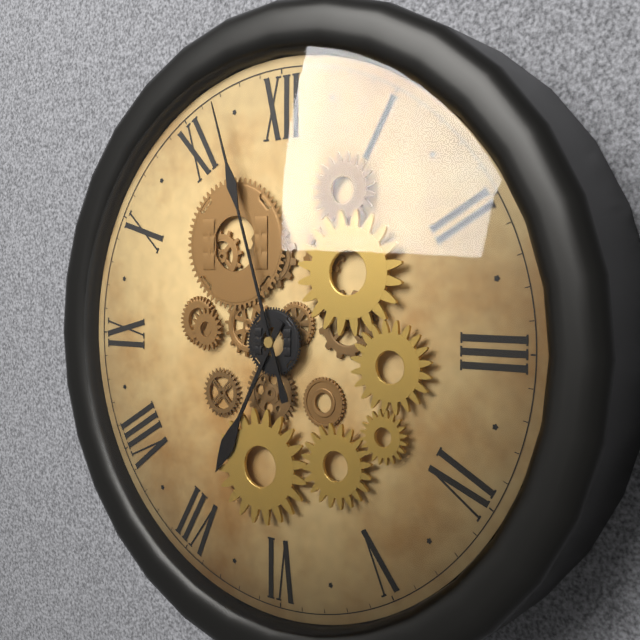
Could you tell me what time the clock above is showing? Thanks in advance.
6:57
